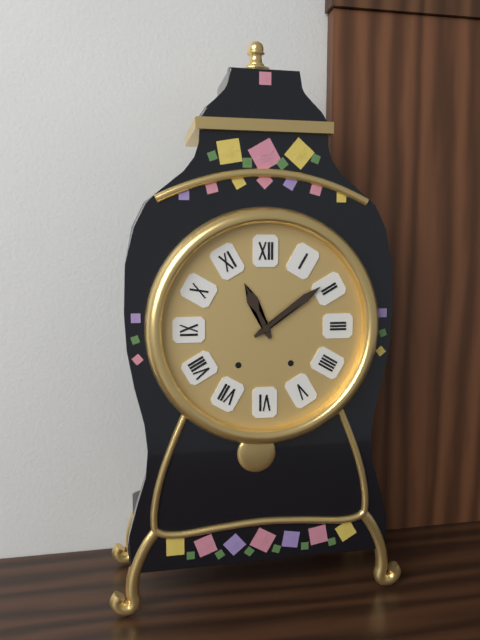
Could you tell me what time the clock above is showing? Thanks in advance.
11:09
